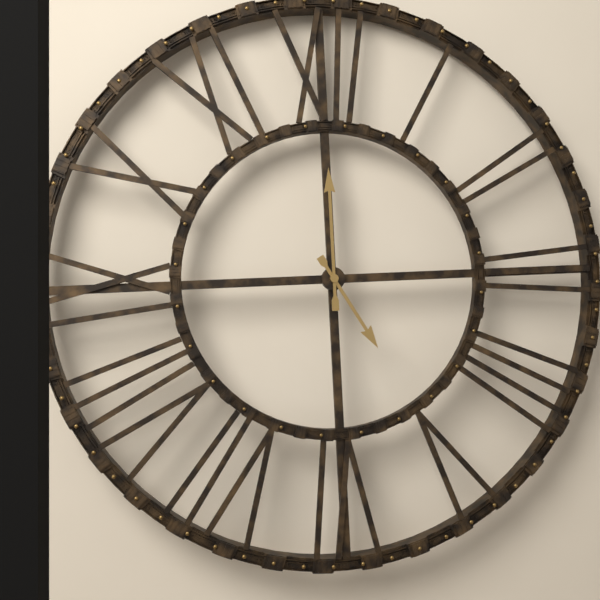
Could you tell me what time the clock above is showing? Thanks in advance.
5:00
